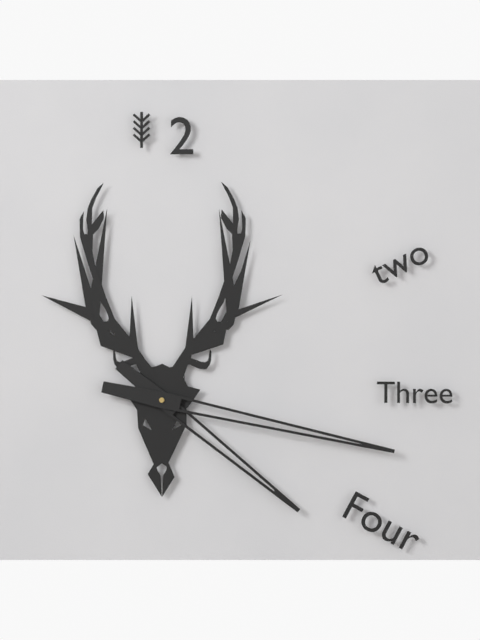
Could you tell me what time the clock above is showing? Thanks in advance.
4:17
